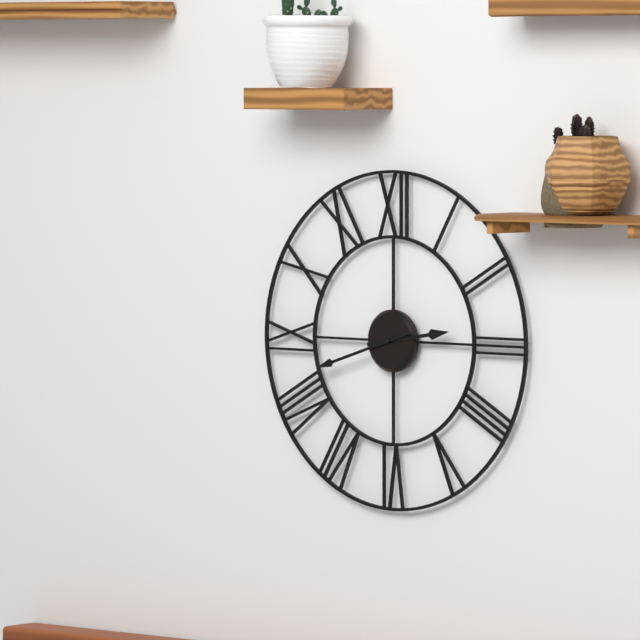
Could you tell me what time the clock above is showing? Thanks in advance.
2:42
